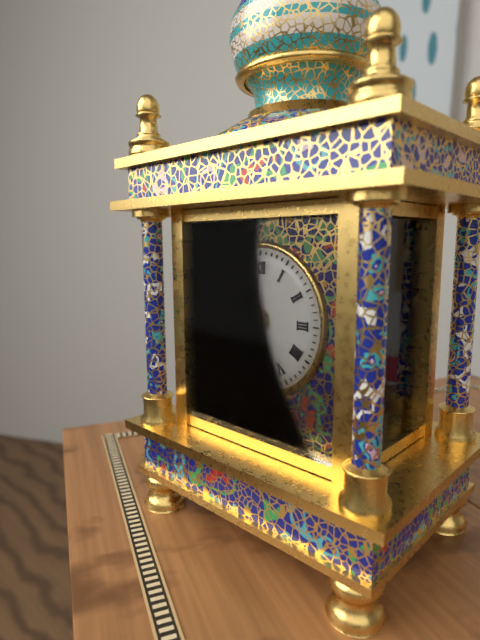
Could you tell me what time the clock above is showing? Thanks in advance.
8:30:59
